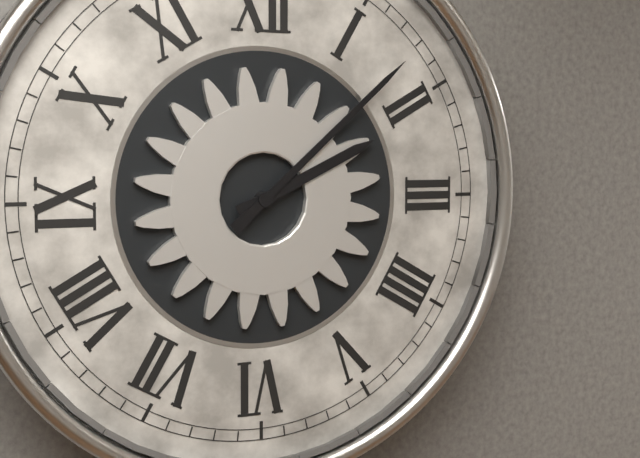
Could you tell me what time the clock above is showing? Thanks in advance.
2:08
